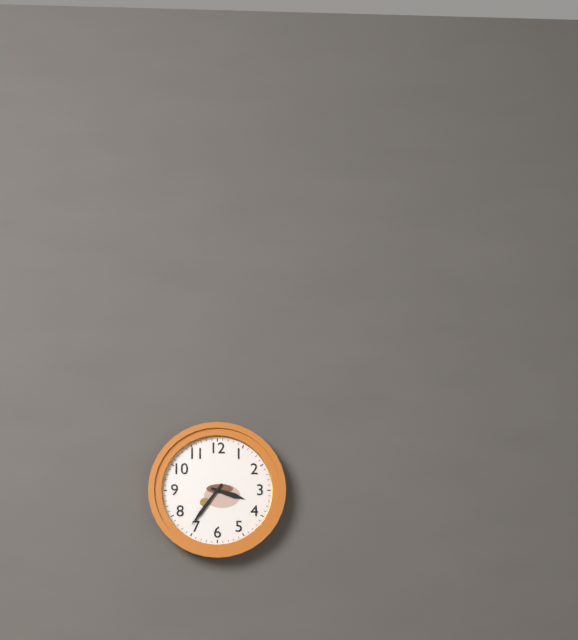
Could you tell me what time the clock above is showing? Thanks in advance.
3:36
